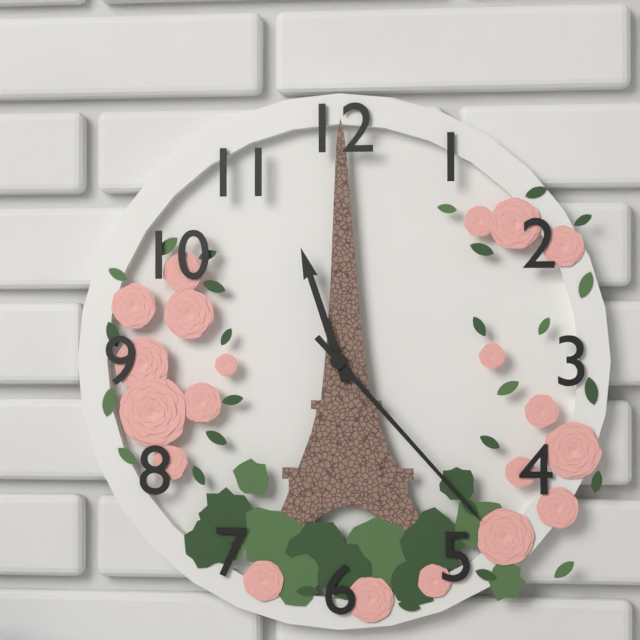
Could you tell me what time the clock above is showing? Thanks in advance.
11:23
